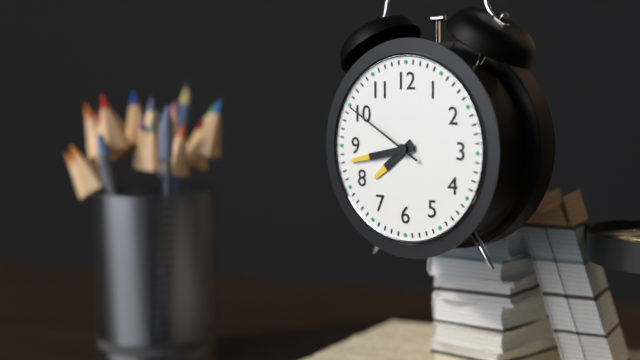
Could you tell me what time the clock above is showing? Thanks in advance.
7:43:50
